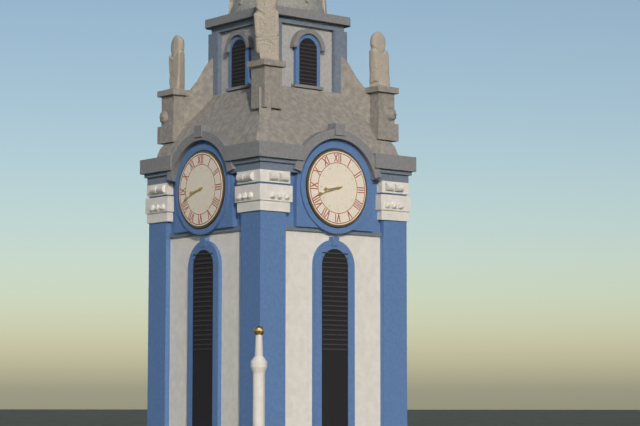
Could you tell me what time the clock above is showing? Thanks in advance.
8:42
